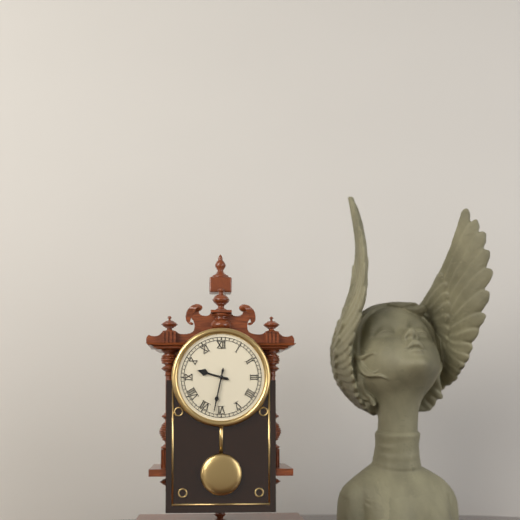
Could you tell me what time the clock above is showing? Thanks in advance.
9:32
